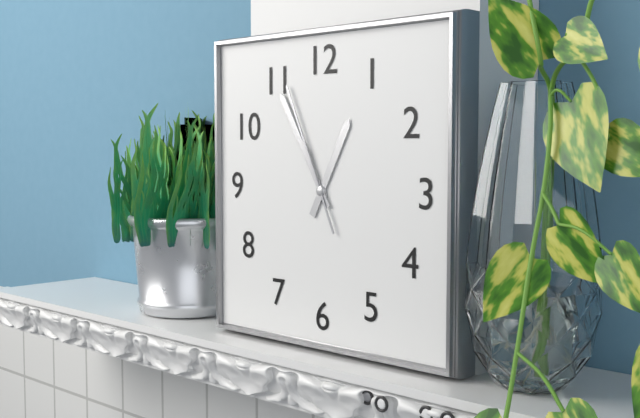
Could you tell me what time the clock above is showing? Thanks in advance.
12:55:56
